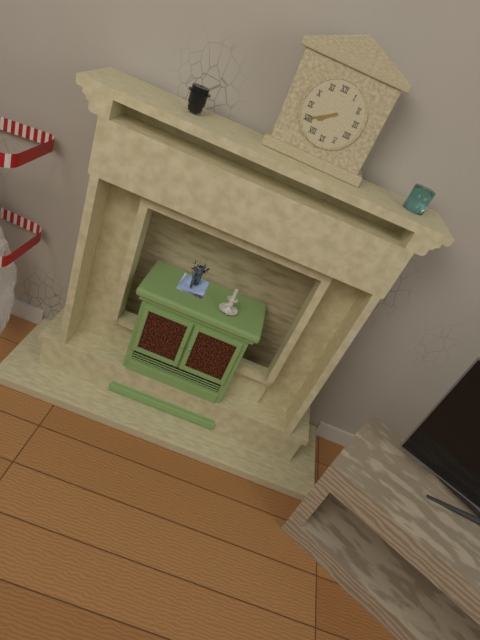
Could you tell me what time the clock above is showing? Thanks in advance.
7:40
